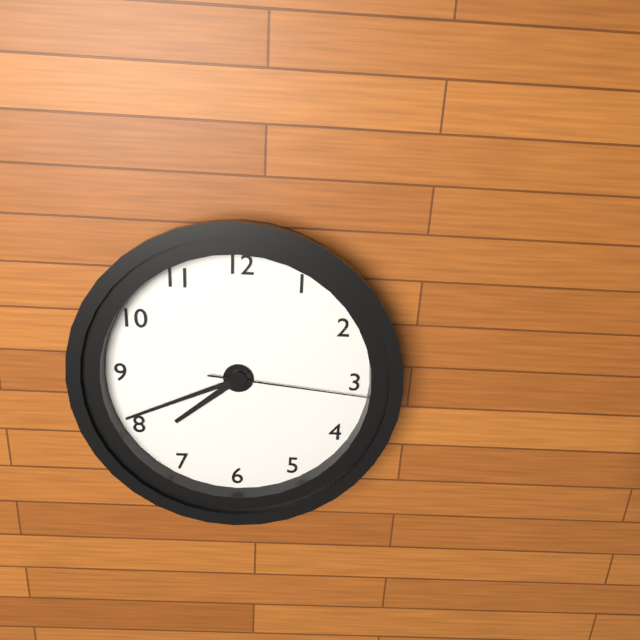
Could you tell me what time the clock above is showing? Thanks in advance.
7:41:16
